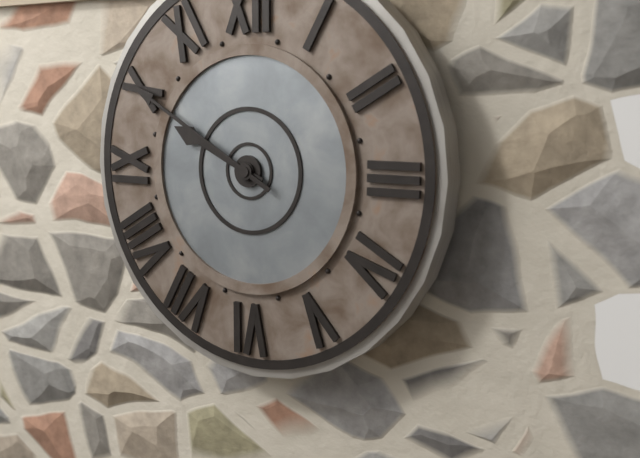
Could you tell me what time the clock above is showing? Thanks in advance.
9:50
